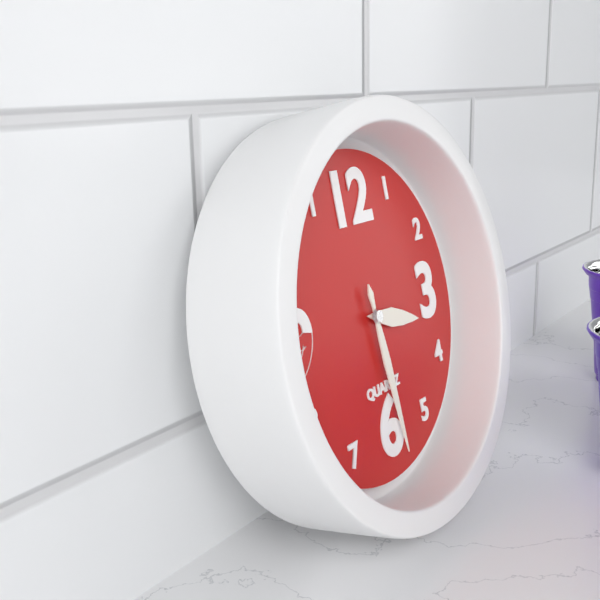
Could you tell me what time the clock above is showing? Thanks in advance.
3:29
